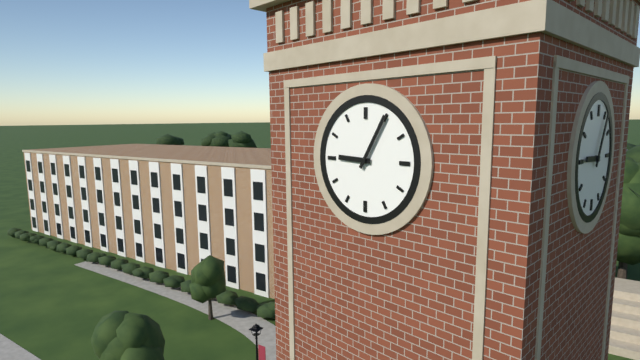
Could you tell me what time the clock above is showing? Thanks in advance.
9:05
